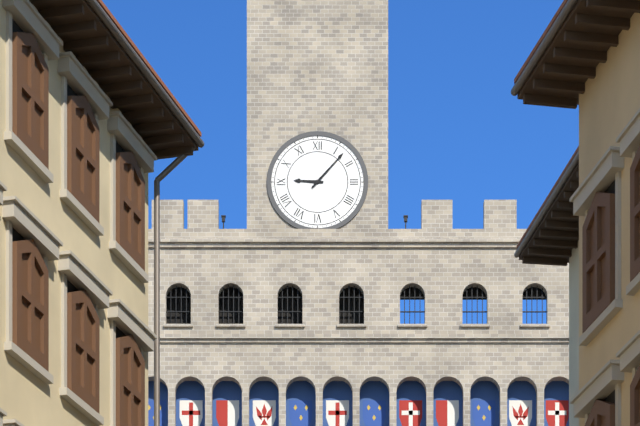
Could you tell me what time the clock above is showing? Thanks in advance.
9:07
